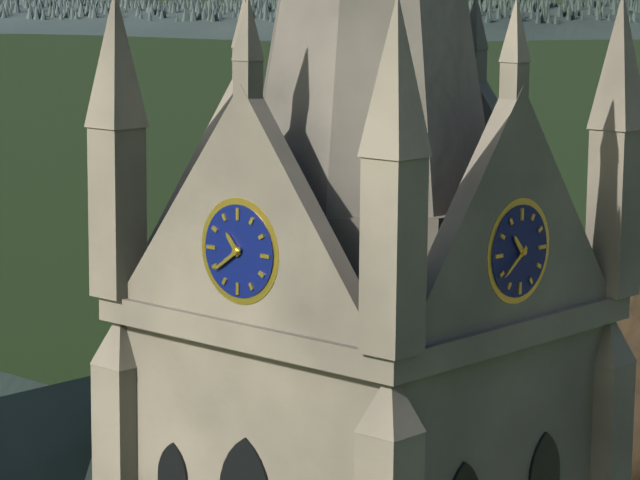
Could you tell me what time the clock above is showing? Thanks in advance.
10:39
